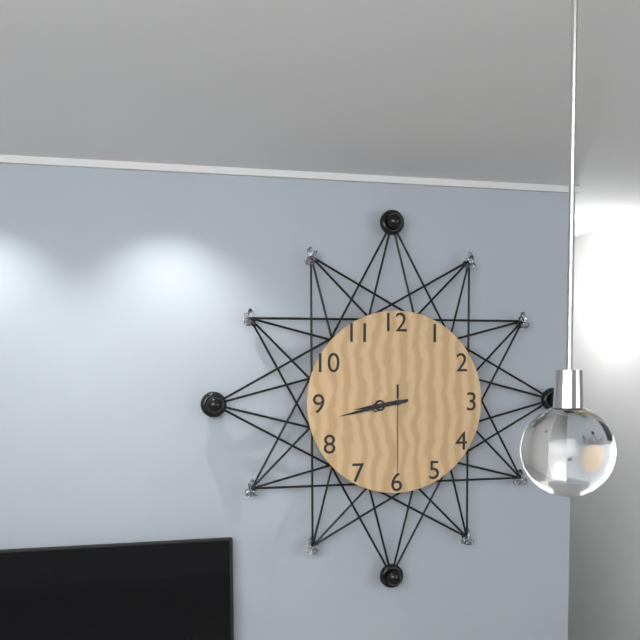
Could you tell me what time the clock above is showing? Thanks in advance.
8:43:30
